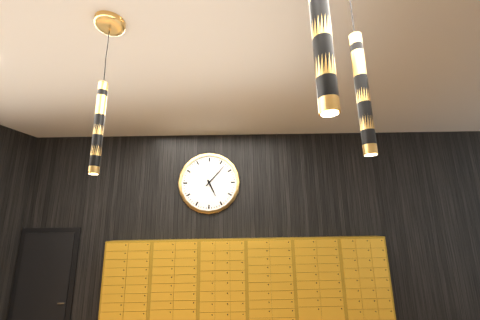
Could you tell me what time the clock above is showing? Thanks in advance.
5:07
